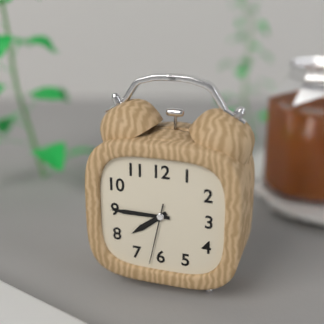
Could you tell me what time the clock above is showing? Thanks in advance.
7:45:32
